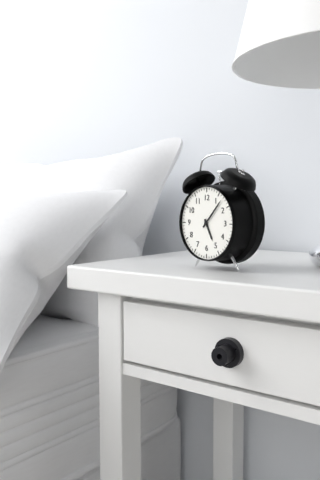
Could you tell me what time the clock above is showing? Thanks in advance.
5:07
